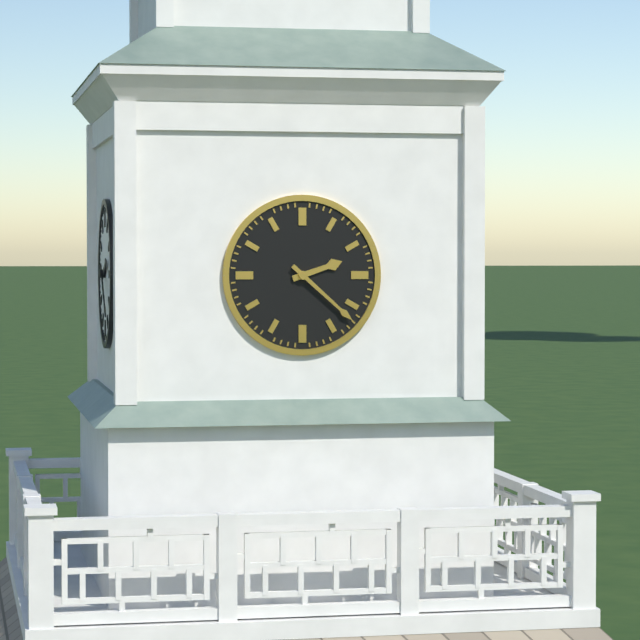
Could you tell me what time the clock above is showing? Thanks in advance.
2:22
